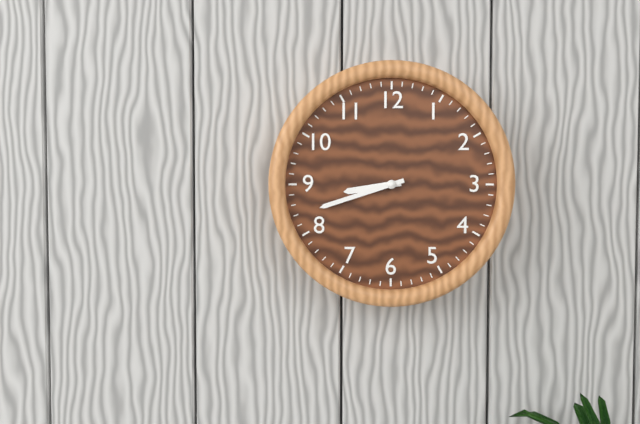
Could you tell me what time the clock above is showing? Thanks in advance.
8:42
